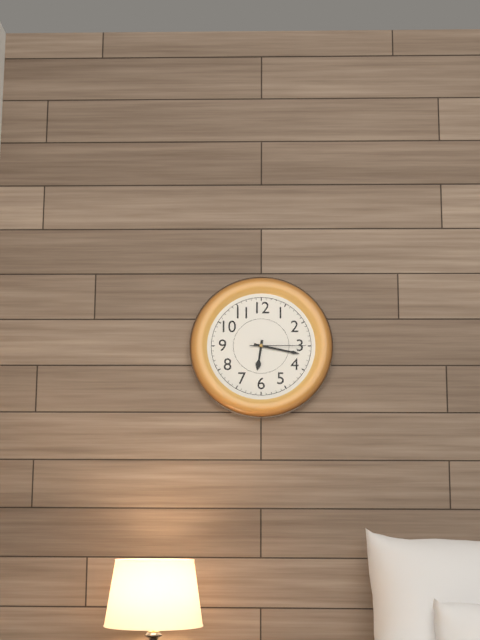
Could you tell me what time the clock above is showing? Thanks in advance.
6:17:15
